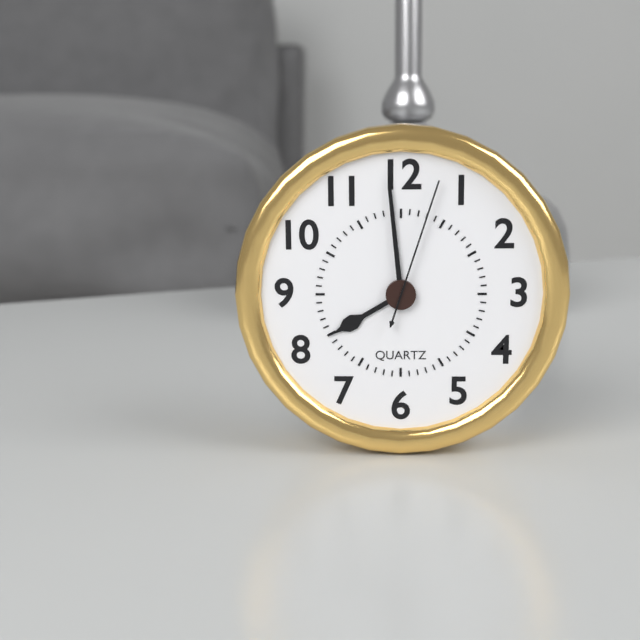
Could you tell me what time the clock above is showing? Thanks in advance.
7:59:03
